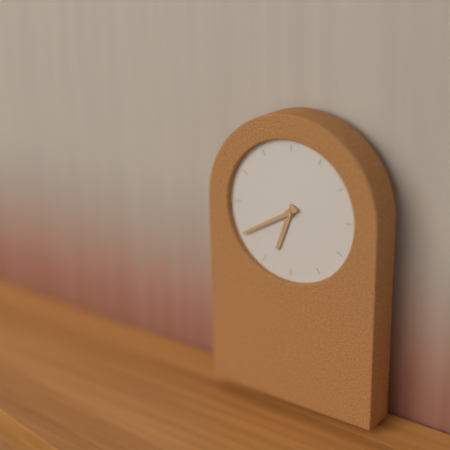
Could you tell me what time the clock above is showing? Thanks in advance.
6:40
